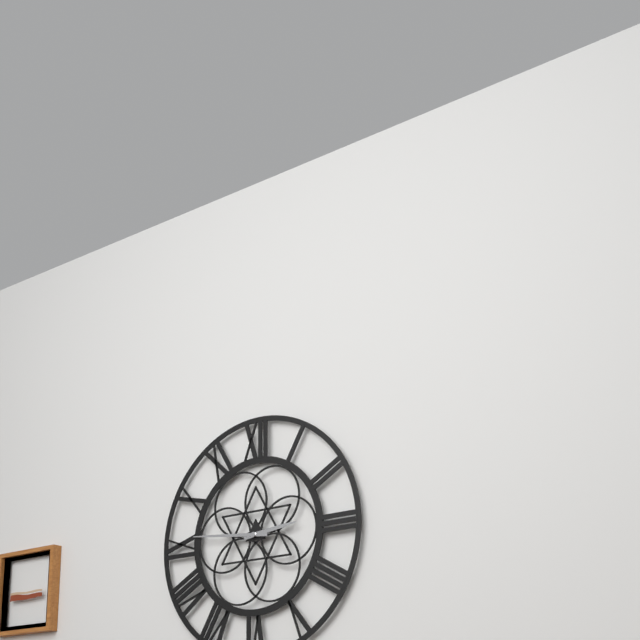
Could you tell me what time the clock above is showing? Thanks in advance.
2:46
